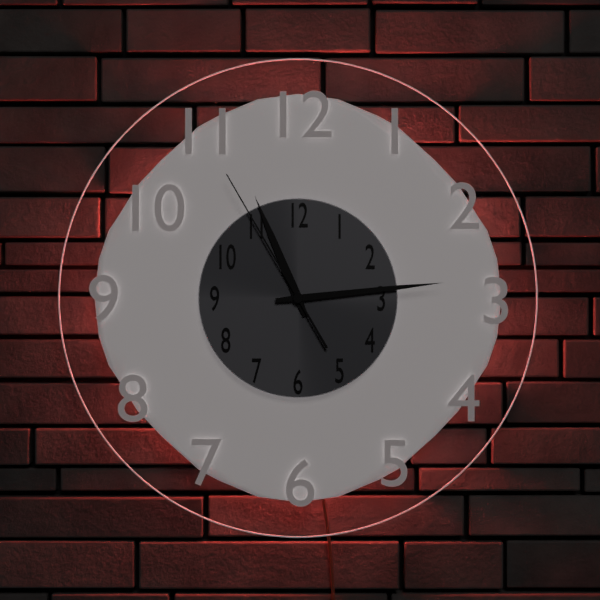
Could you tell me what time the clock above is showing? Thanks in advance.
11:14:55
